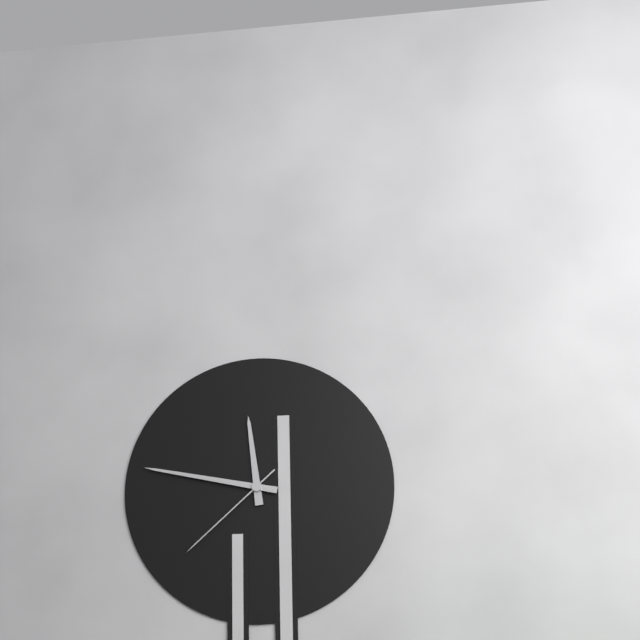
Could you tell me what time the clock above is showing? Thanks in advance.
11:47:38
